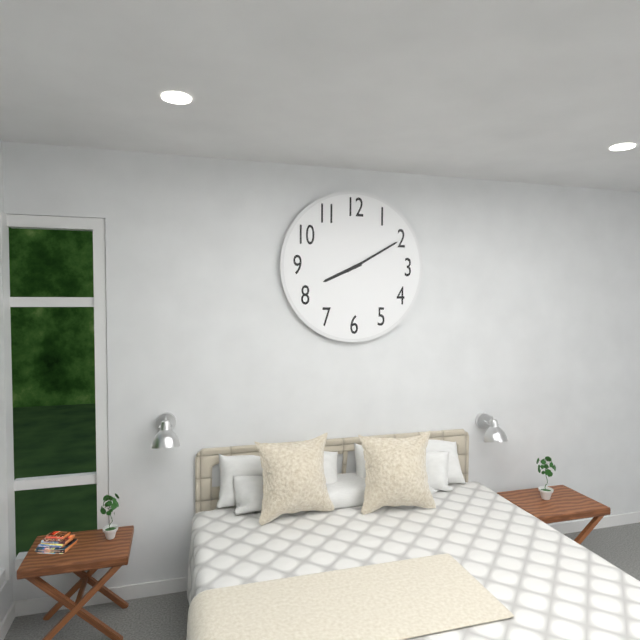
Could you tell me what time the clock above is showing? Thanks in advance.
8:10
